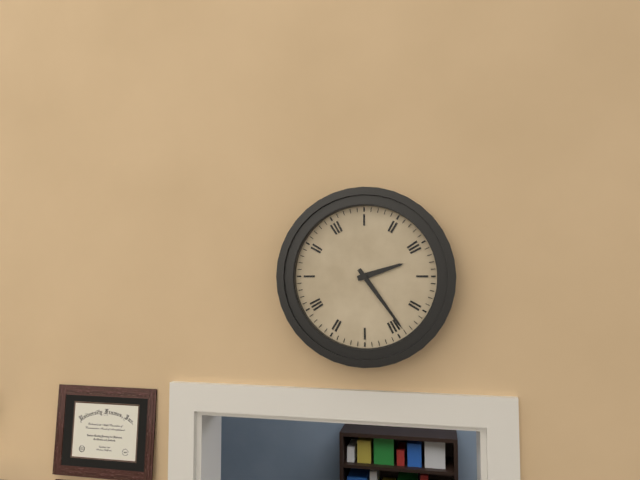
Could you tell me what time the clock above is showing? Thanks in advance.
2:24
